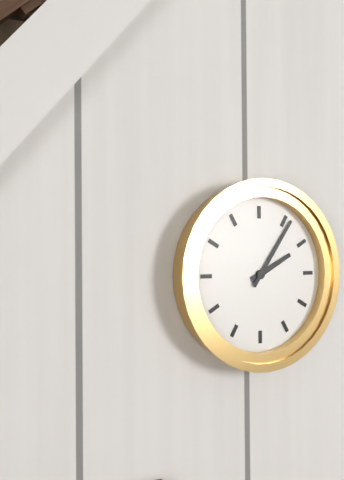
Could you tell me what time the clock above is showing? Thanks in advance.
2:06
